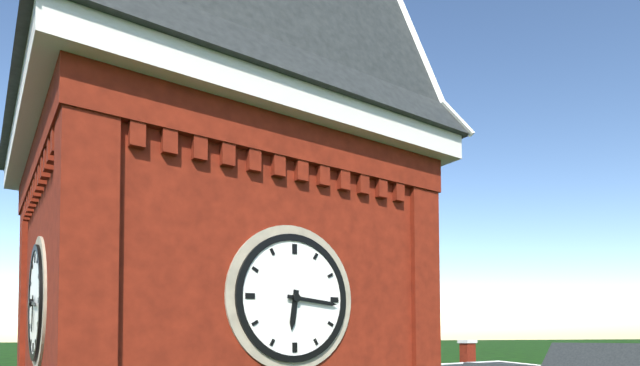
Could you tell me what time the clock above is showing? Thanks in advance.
6:16
